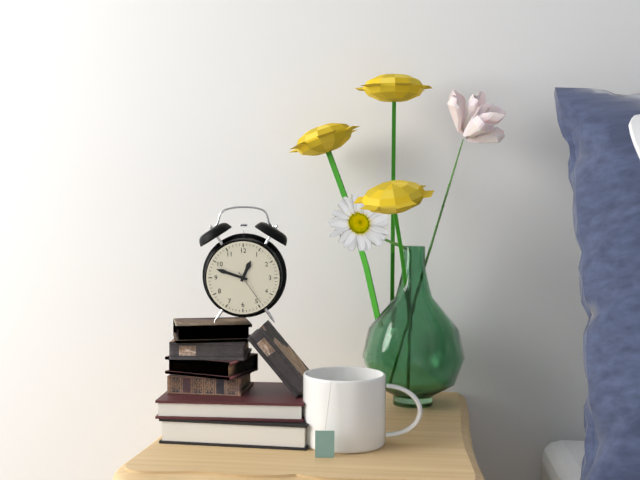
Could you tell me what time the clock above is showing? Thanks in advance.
12:48
